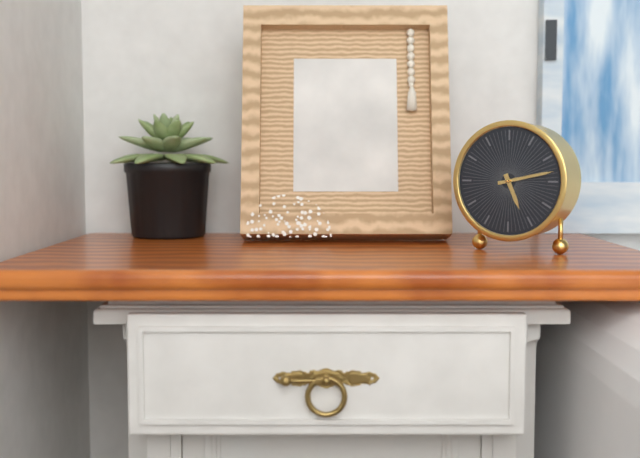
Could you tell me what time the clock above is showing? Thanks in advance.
5:13
